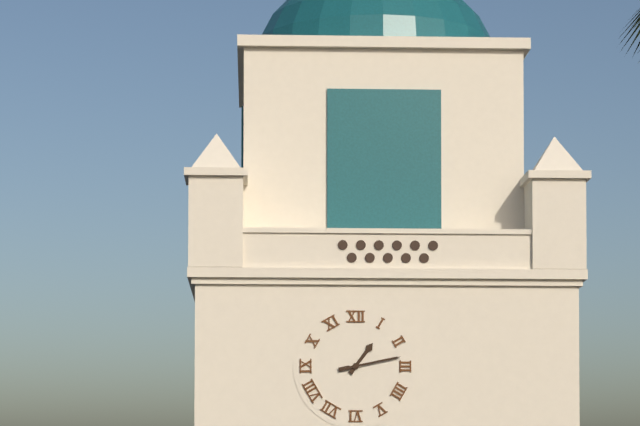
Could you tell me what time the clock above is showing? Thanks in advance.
1:13
